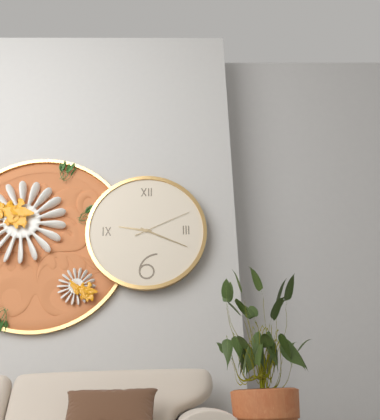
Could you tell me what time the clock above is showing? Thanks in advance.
9:19:11
